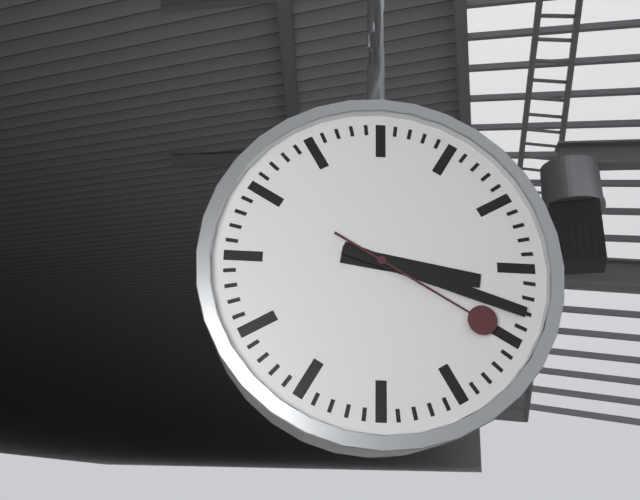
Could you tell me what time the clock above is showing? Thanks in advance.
3:18:20
